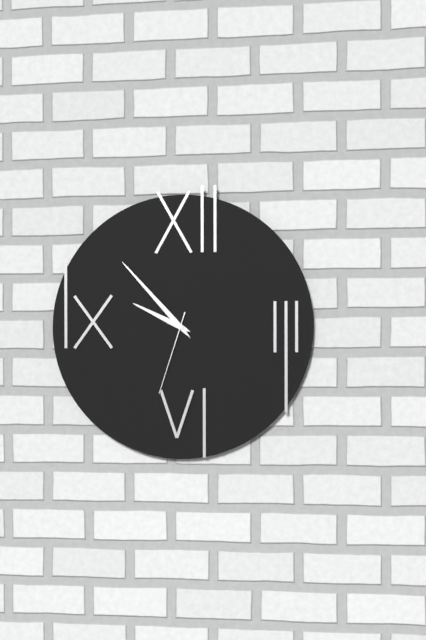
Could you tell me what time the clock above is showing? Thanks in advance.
9:53:33
